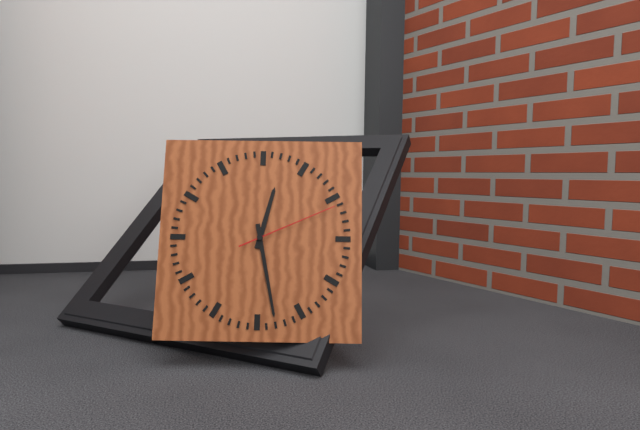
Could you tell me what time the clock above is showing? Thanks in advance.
12:28:11
